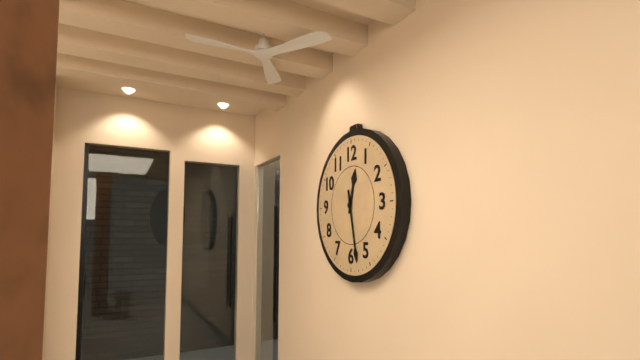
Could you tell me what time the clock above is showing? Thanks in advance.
12:28
